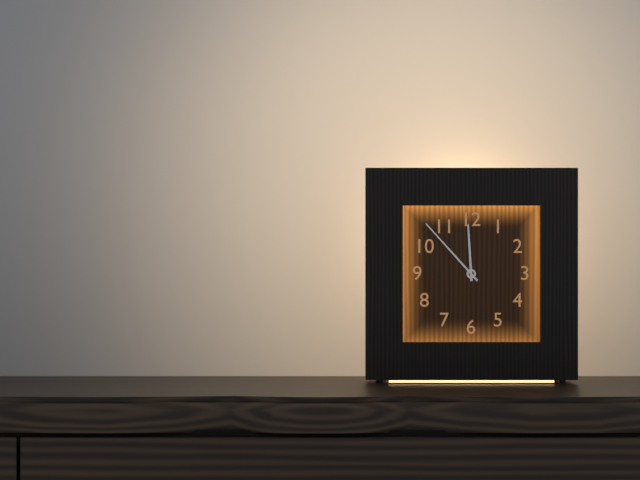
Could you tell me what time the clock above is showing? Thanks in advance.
11:53
